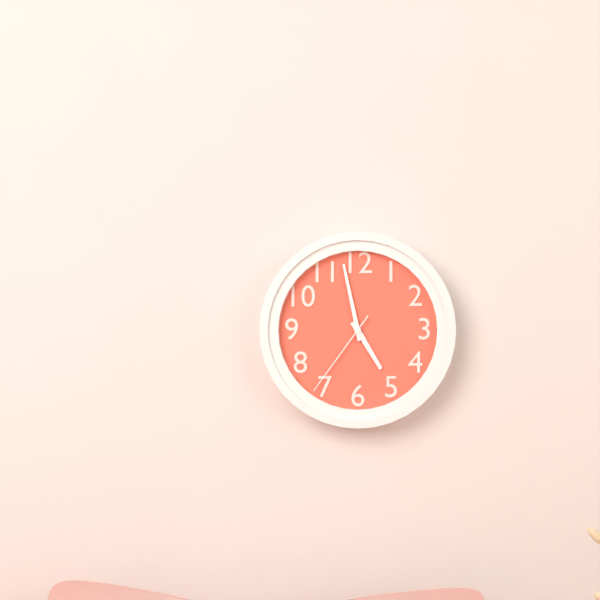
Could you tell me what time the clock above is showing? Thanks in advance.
4:58:36
